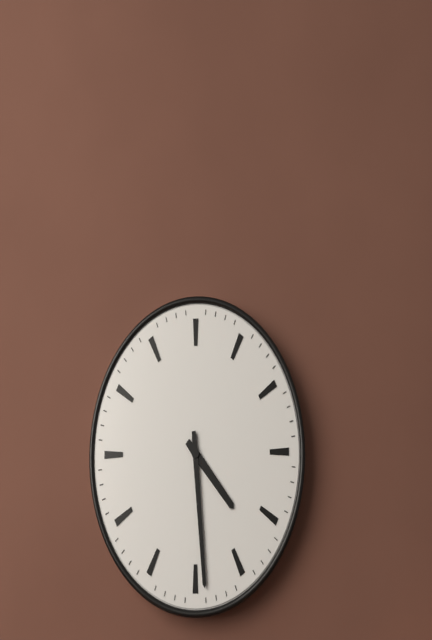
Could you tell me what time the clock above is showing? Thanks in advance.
4:29
